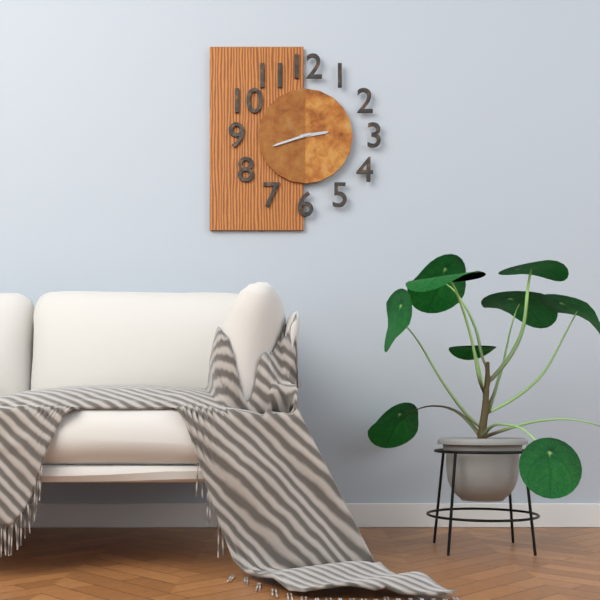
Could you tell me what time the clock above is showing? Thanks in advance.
2:42
